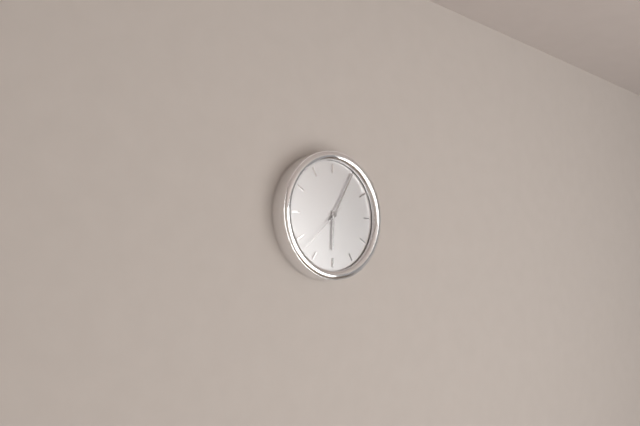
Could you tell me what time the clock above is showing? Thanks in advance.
6:05
